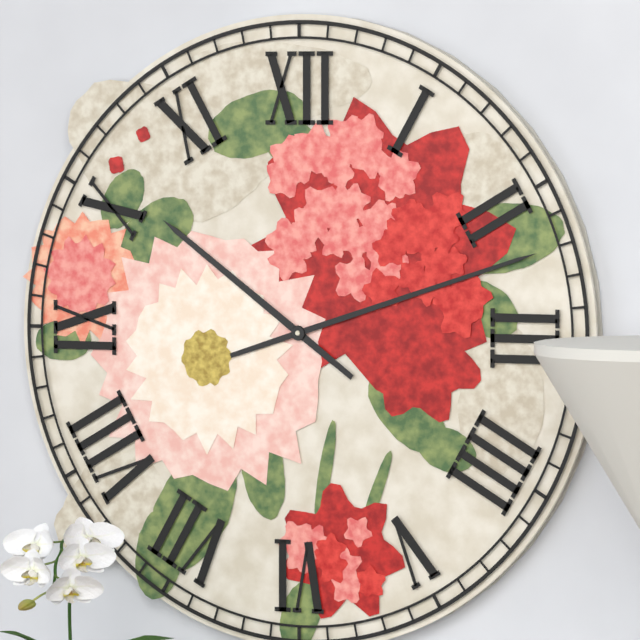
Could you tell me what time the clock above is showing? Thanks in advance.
10:12
